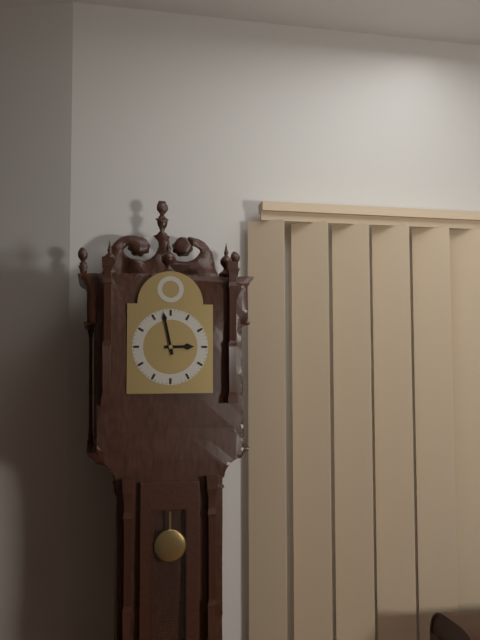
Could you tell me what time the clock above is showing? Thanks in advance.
2:58
